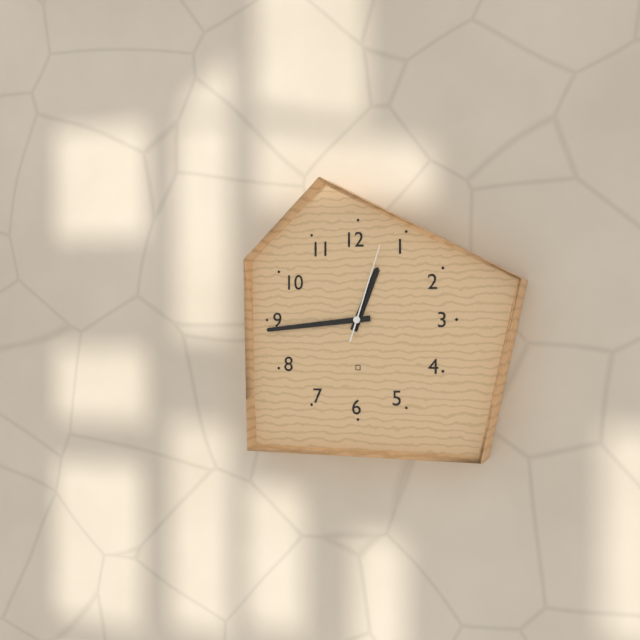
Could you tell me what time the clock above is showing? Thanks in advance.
12:44:03
